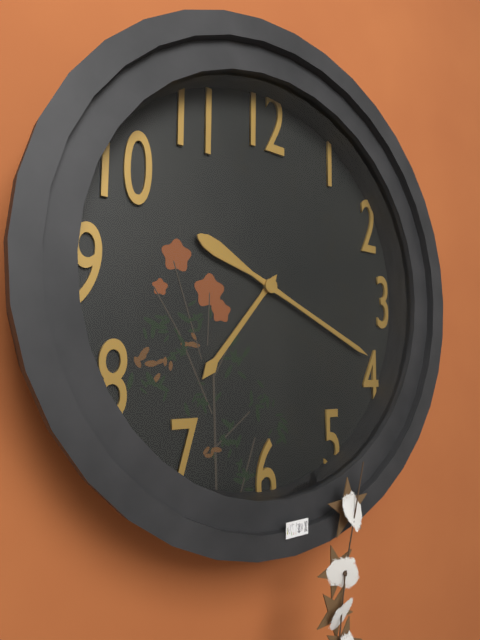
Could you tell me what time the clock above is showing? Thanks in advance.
7:19
